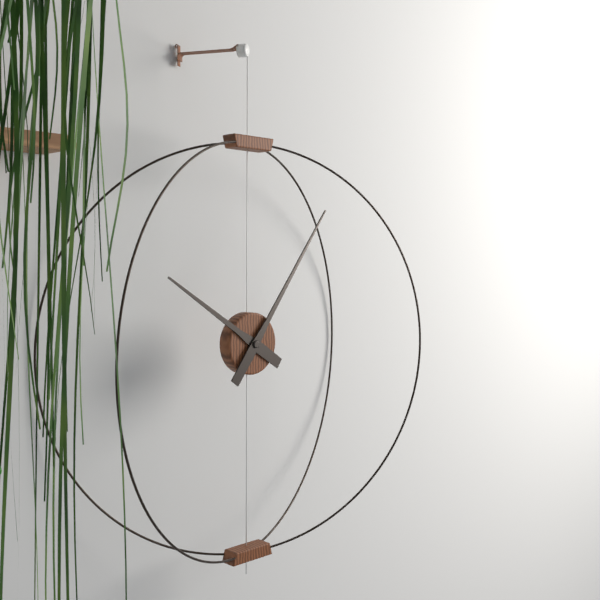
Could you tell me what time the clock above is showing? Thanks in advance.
10:06
